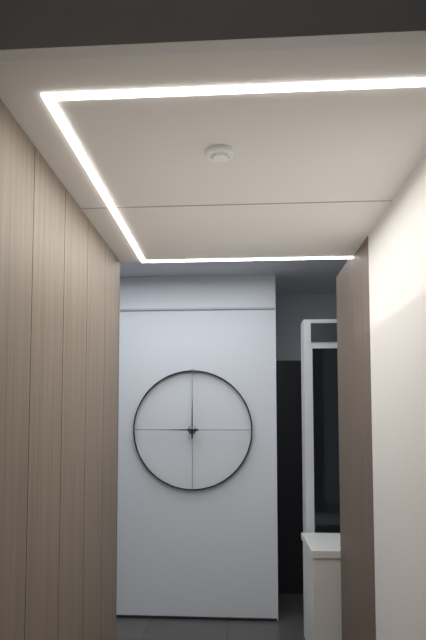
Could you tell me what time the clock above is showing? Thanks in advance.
9:00
